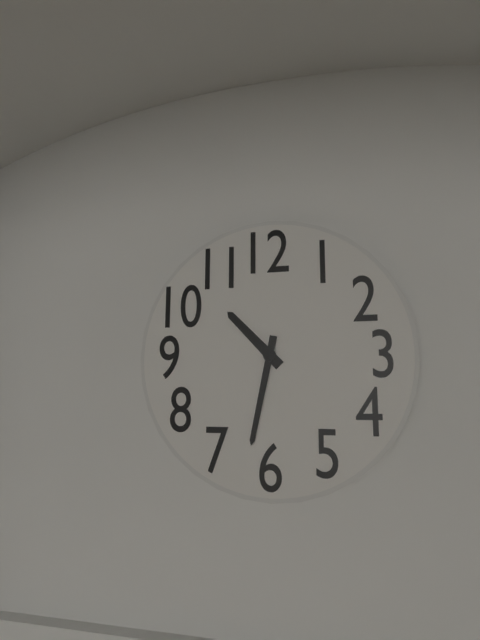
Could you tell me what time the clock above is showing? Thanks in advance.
10:32
